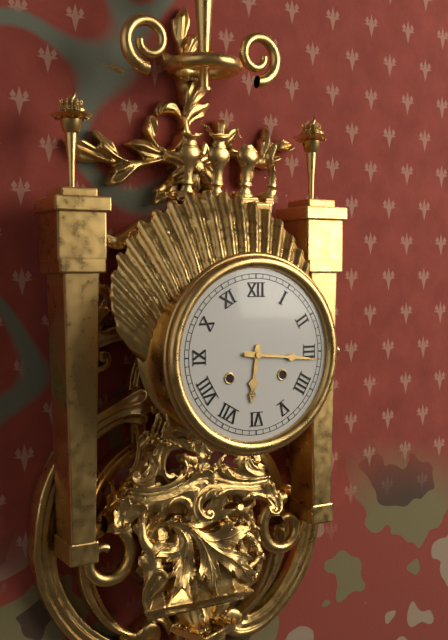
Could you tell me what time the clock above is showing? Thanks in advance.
6:16
